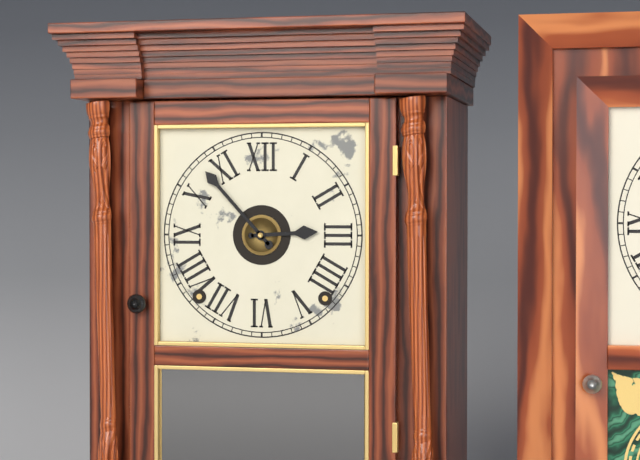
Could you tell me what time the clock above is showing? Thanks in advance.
2:53
